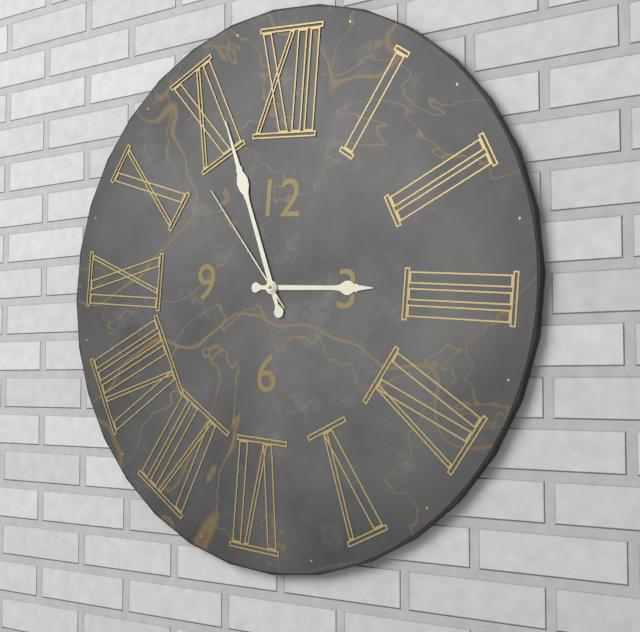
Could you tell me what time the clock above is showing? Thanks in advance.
2:56:53
